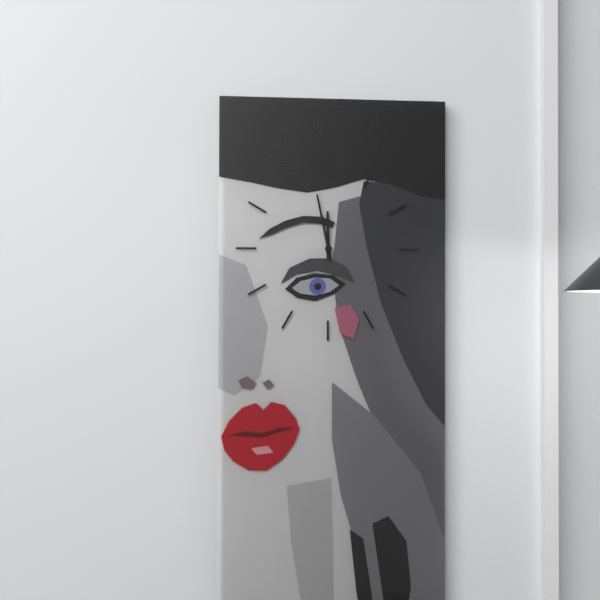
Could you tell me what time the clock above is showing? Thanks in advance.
11:58
